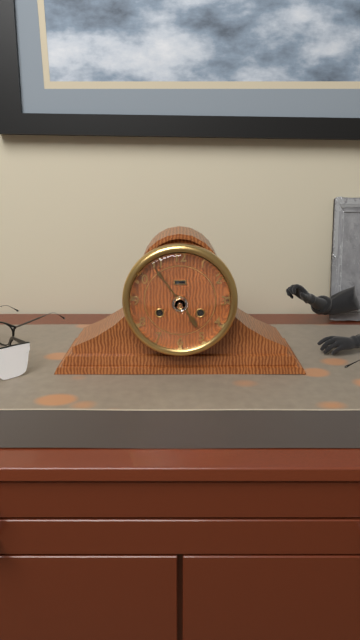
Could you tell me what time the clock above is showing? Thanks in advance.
4:54
